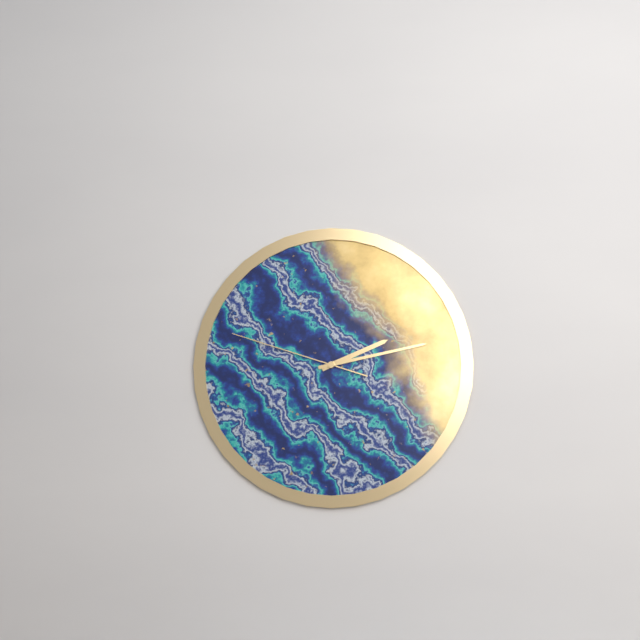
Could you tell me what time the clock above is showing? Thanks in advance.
2:13:48
